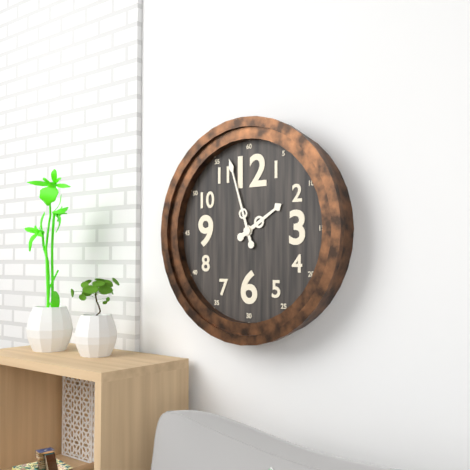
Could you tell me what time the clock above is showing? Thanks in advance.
1:57
